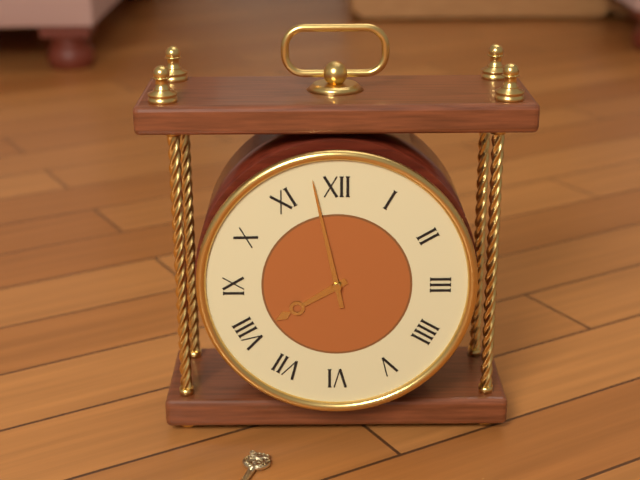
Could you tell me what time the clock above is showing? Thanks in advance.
7:58
